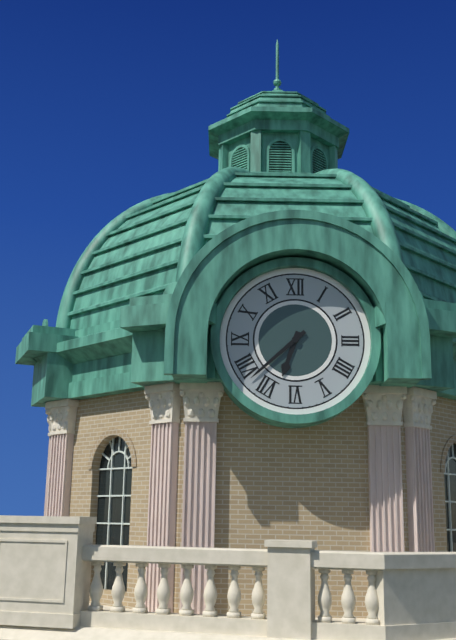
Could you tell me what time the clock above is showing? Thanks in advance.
6:38
